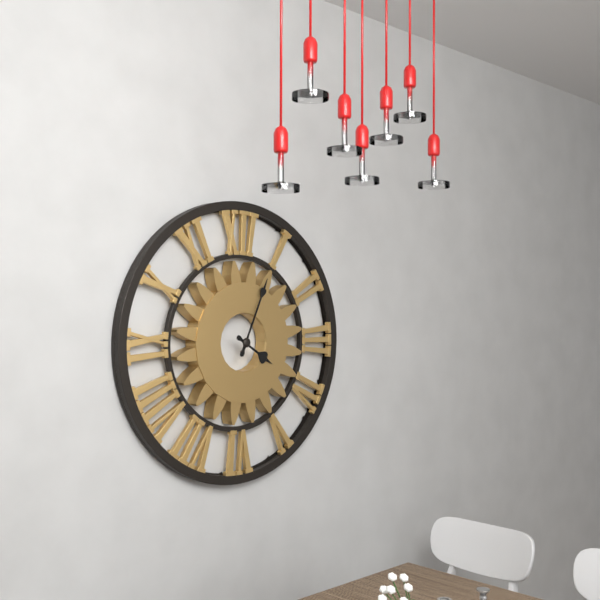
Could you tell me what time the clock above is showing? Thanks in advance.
4:04
